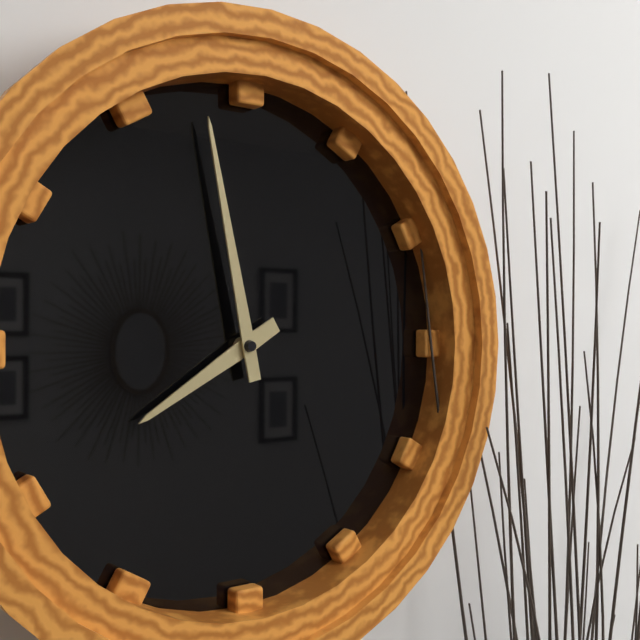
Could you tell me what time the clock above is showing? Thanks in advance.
7:58
